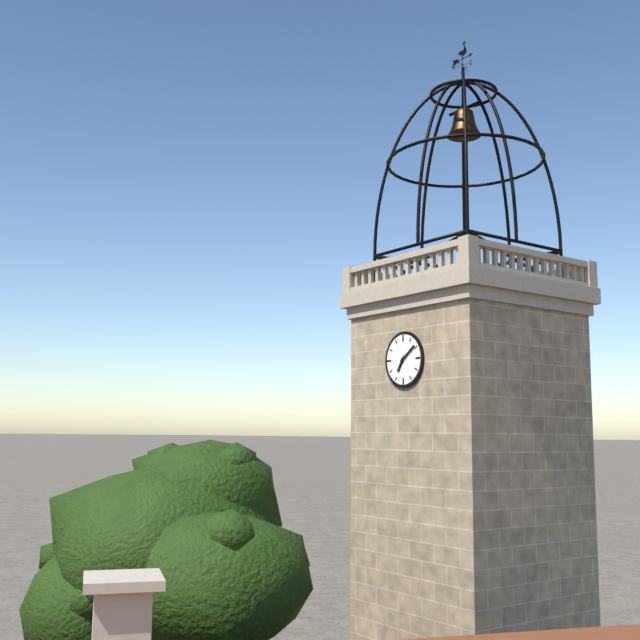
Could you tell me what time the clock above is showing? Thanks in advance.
7:09
